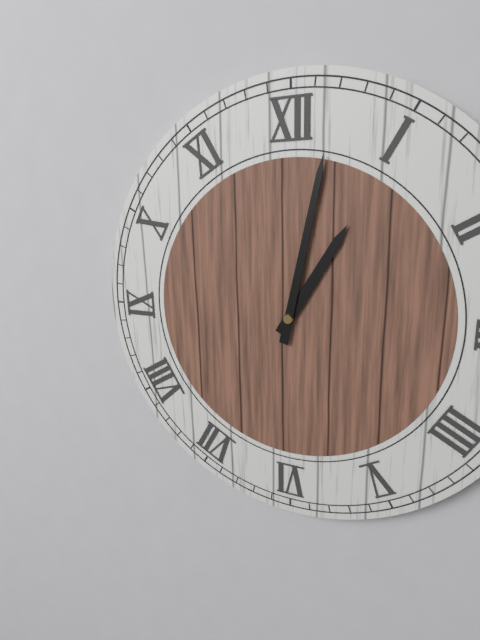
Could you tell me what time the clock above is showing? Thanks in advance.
1:02
